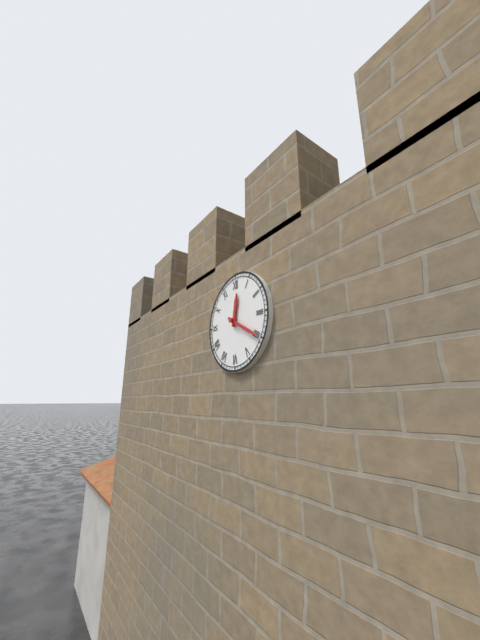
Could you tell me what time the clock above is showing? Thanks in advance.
12:20
